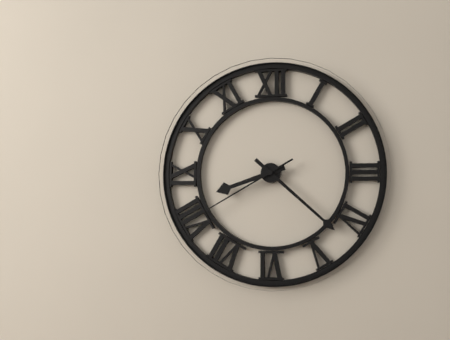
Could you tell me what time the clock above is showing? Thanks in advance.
8:22:40
